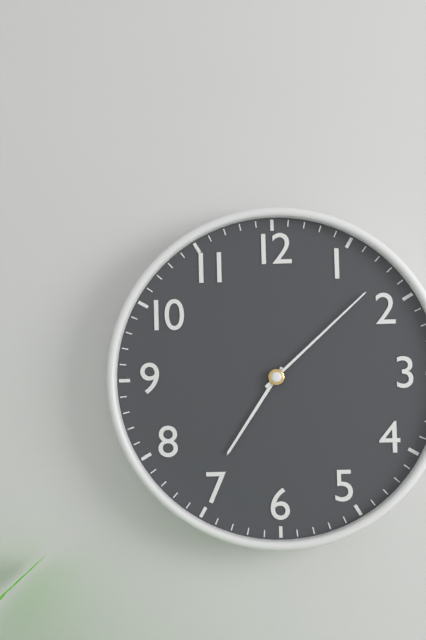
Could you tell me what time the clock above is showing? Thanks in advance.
7:08
